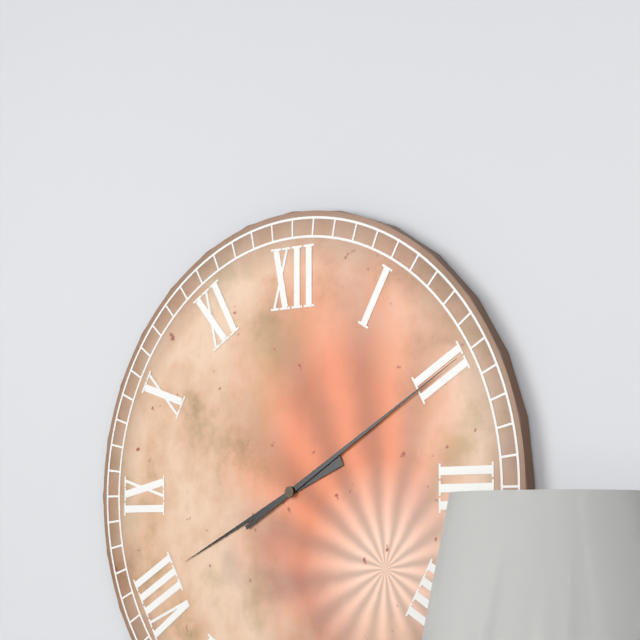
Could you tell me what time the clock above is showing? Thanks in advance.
8:10
